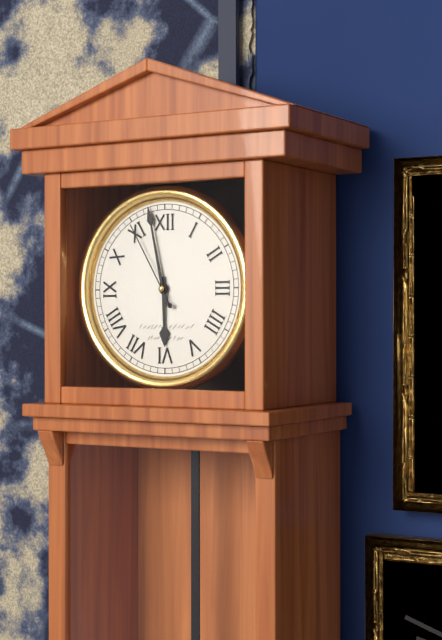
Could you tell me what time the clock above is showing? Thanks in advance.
5:58:55
